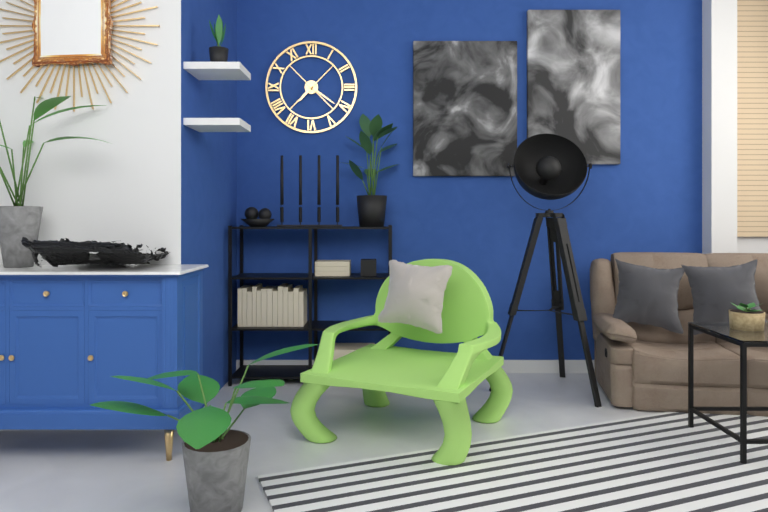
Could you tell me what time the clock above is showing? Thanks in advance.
7:21
